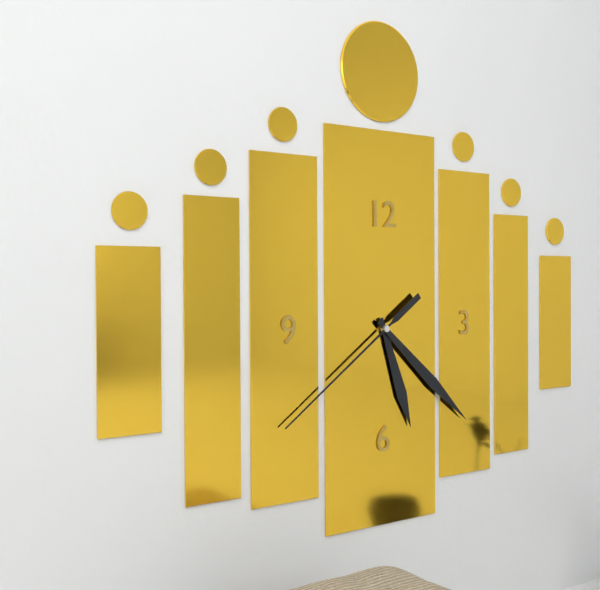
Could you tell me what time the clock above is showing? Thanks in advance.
5:22:39
